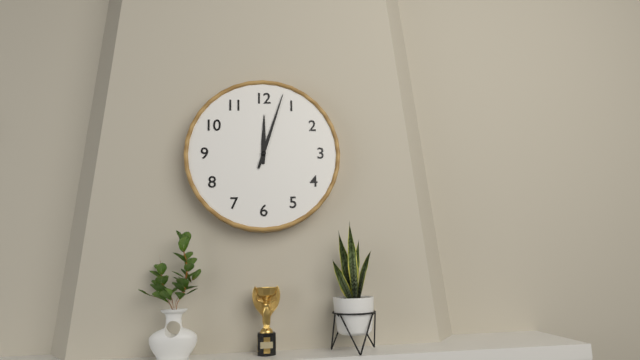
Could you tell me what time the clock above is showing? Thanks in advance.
12:03
